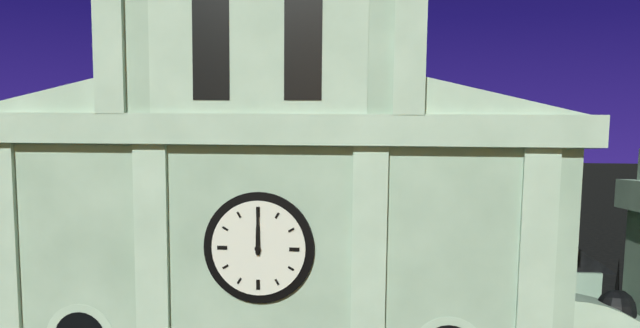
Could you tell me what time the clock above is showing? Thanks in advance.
12:00
